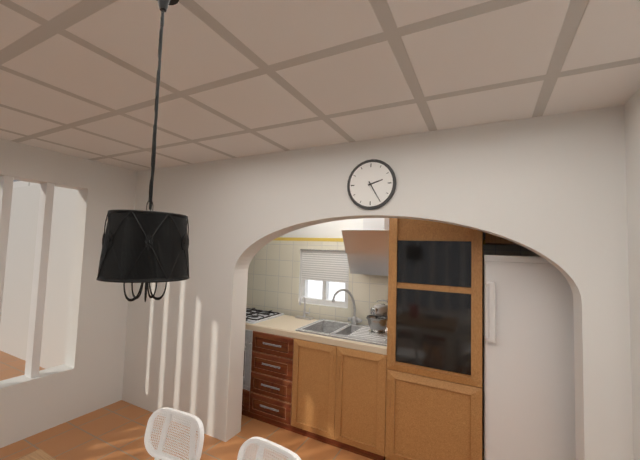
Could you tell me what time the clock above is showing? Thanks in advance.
2:25
